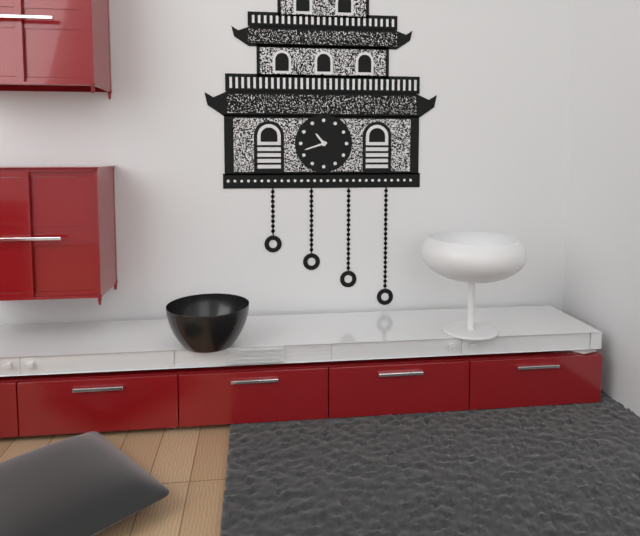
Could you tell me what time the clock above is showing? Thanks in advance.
10:42
